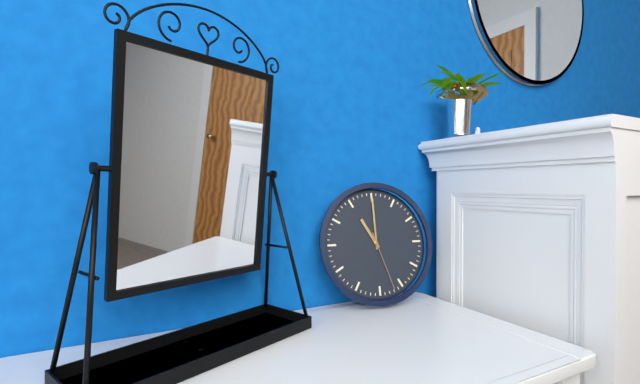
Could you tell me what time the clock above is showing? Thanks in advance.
11:00:27
